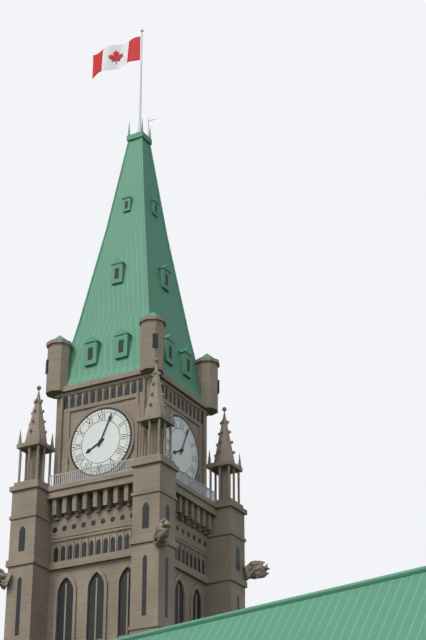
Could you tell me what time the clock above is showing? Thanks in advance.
8:04
